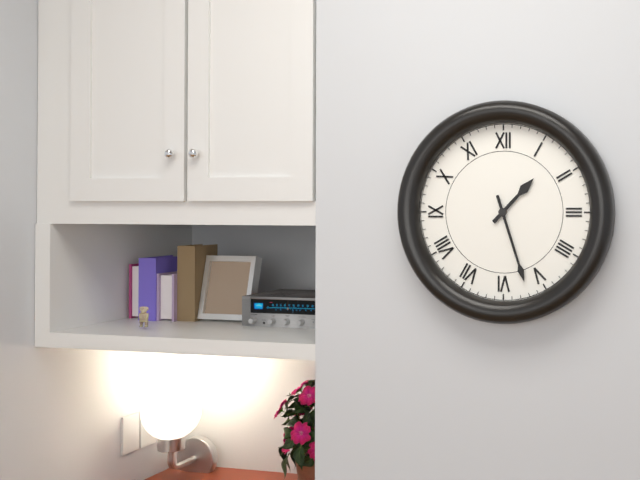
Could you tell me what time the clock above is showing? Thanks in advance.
1:27
